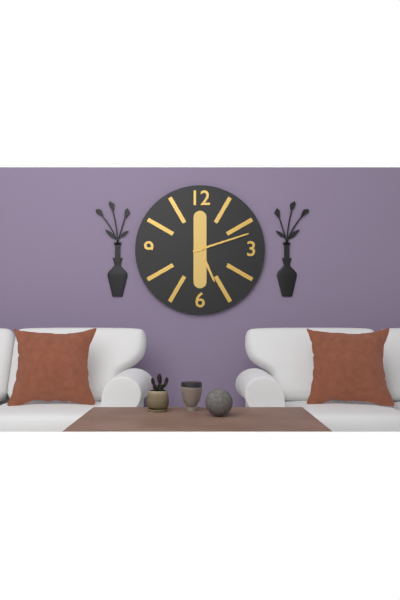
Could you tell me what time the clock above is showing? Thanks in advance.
5:12
